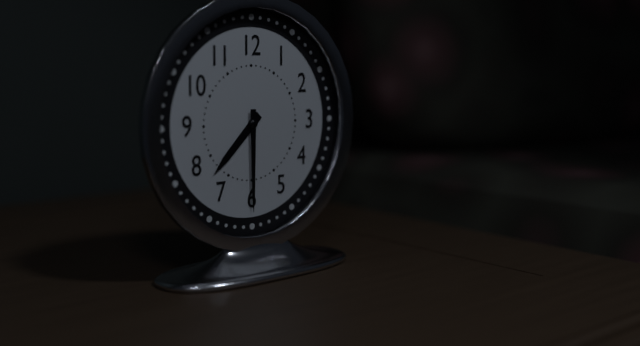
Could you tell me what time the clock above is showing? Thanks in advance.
7:30
